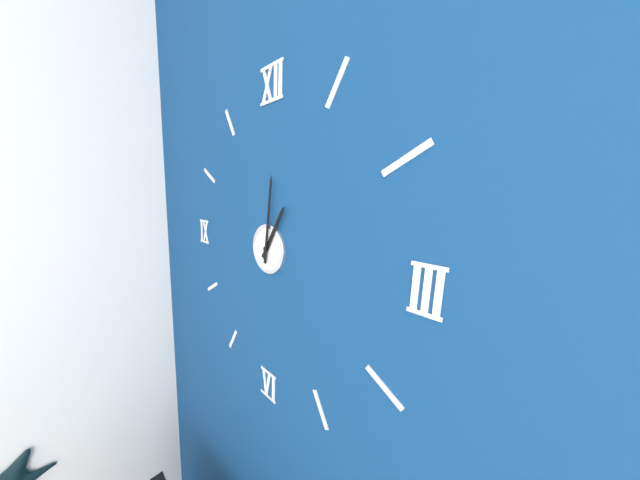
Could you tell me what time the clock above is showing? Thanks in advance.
1:01
